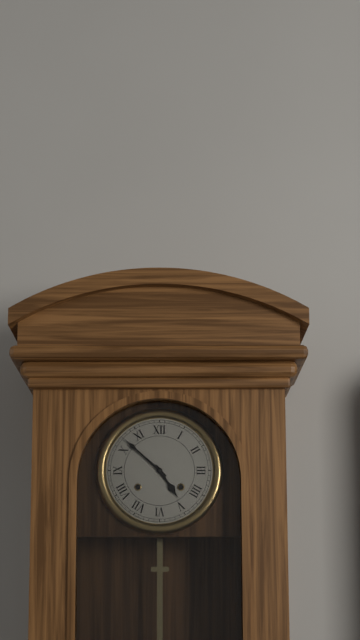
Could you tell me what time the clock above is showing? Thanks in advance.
4:52
